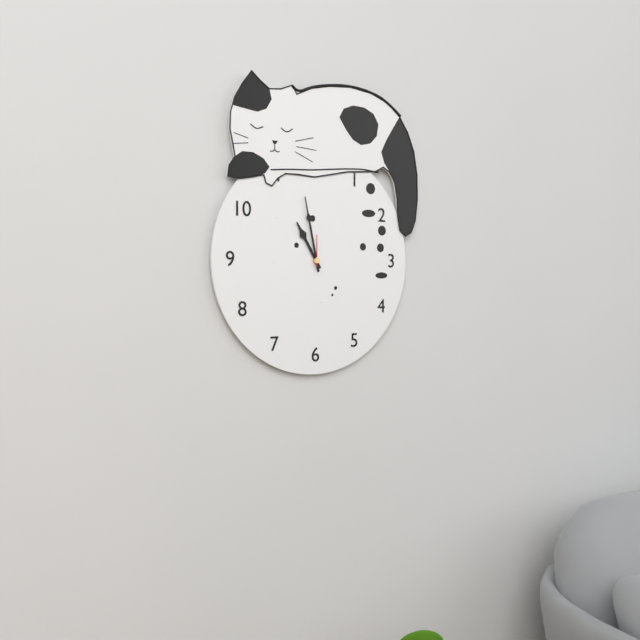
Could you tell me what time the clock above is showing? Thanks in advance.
10:58
